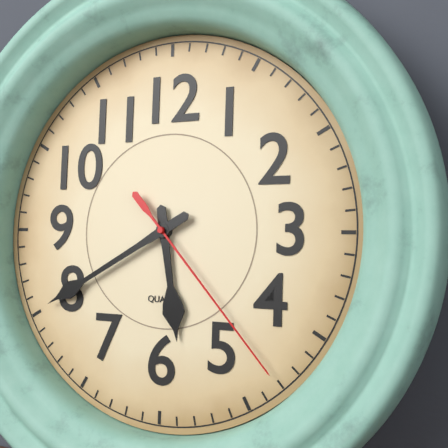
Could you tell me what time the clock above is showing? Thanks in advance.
5:40:23
